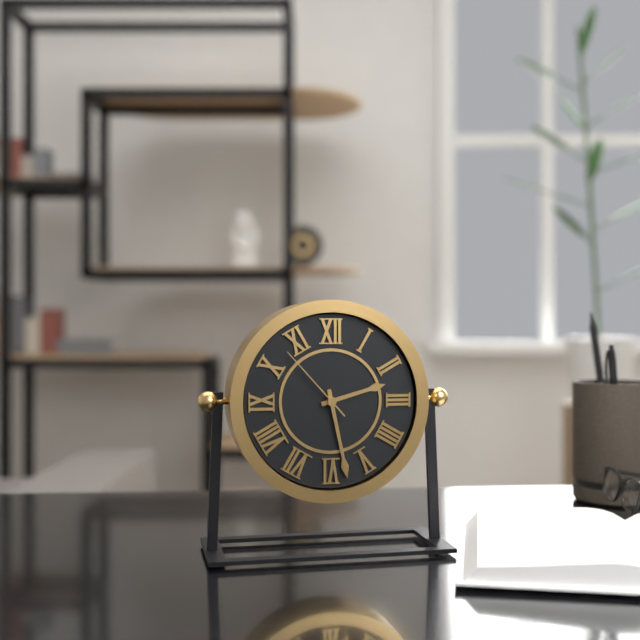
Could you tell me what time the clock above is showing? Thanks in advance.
2:28:53
